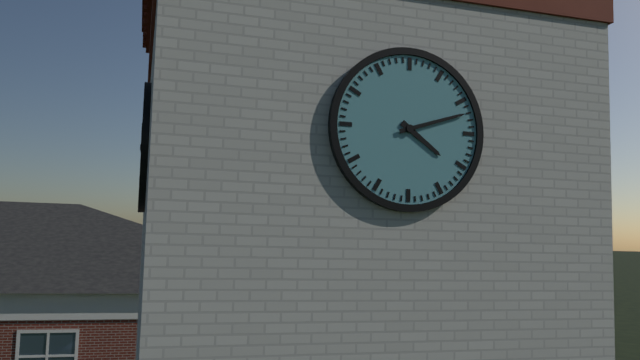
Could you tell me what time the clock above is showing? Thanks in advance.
4:12
